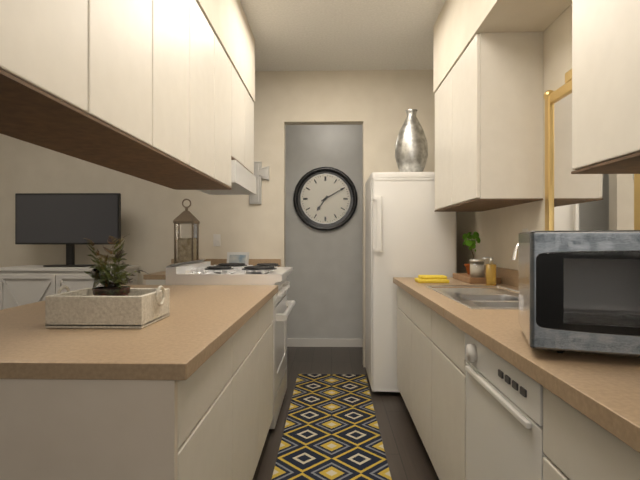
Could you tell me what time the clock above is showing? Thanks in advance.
7:10
